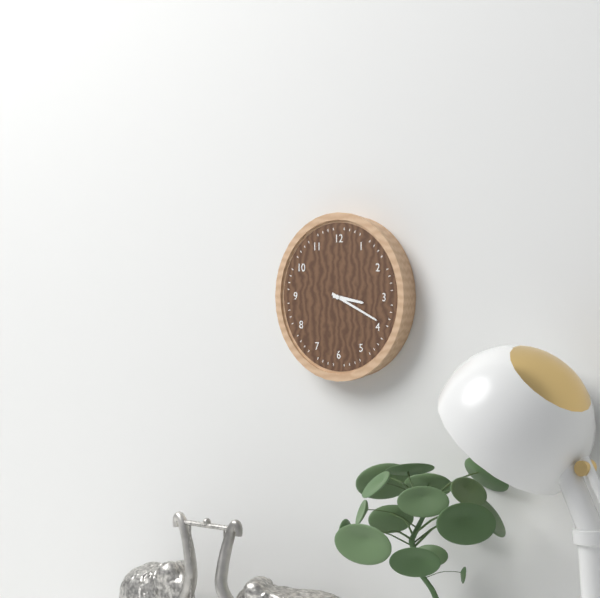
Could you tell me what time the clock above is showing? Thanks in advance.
3:19
